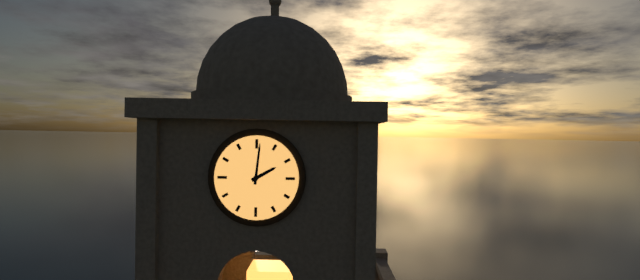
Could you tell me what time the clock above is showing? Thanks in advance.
2:01
